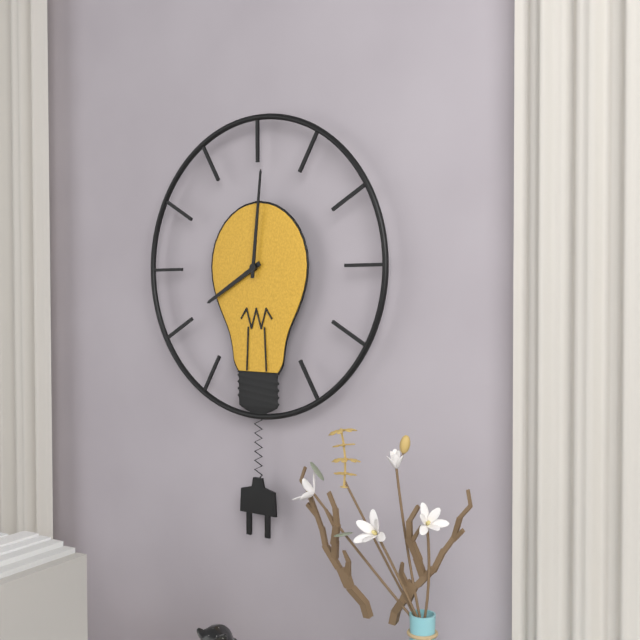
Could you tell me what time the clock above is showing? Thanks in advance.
8:01
